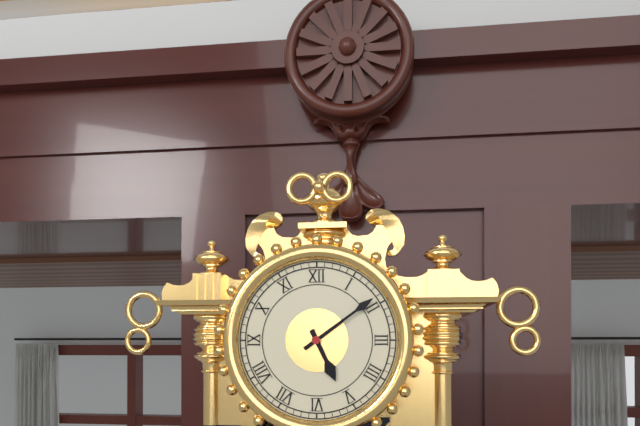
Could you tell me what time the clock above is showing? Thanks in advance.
5:09
